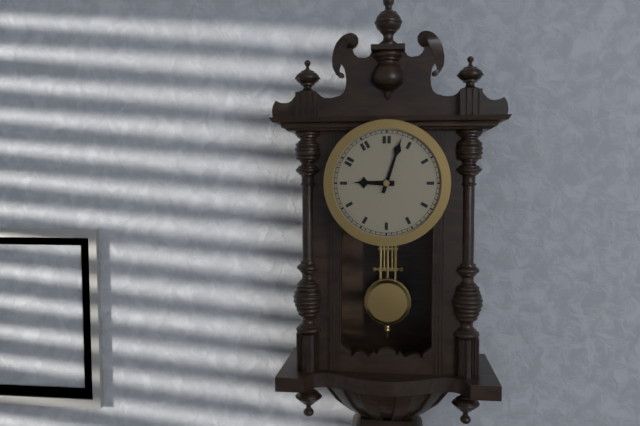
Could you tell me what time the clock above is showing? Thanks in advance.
9:03
